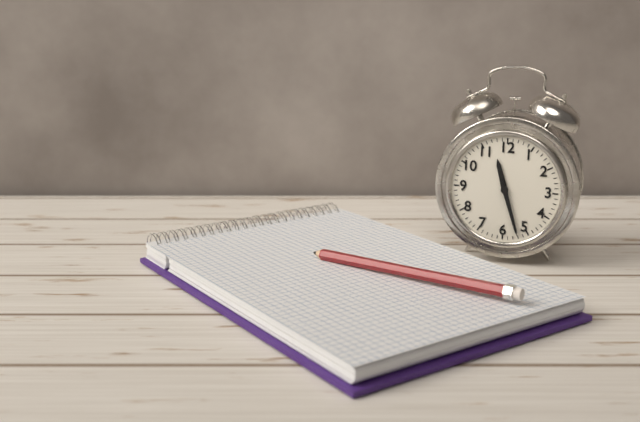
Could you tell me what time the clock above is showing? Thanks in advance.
11:27
